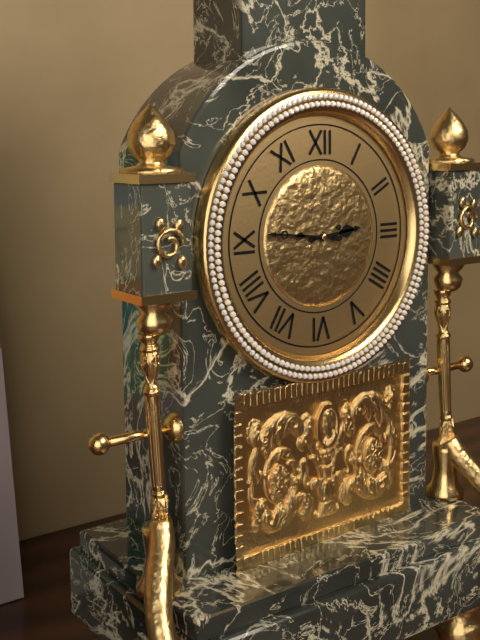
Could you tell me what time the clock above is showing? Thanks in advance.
2:46
